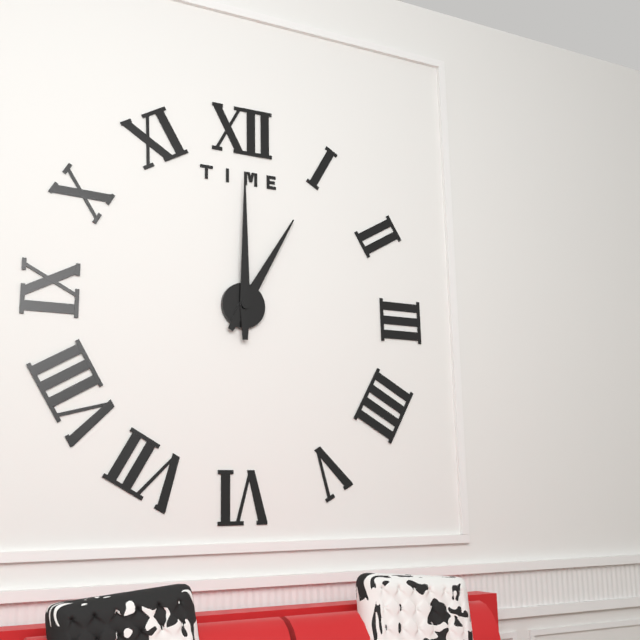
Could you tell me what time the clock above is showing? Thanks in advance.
1:00
